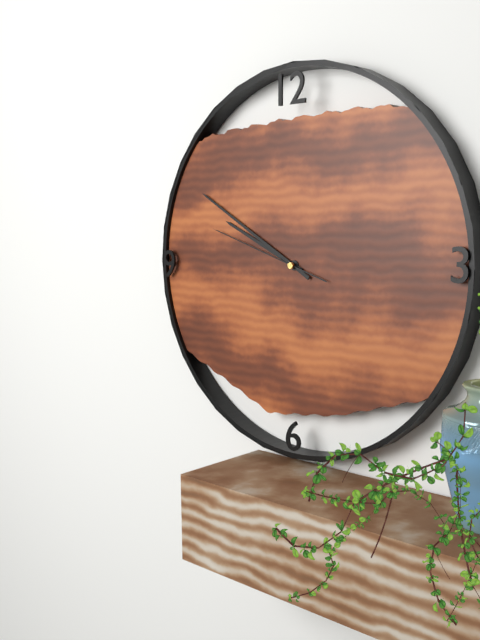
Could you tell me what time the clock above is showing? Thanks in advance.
9:50:48
